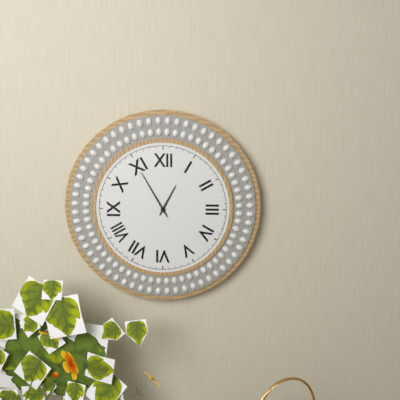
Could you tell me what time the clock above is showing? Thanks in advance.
12:55
